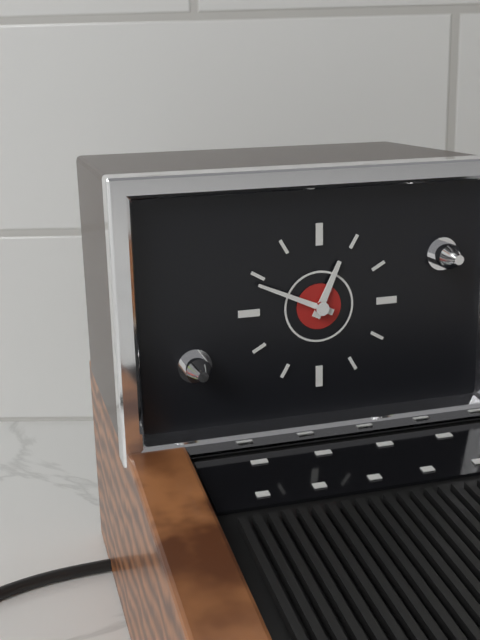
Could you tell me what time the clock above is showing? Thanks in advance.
12:49
